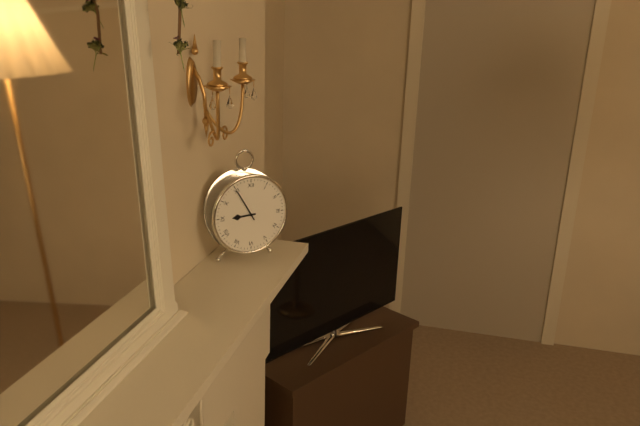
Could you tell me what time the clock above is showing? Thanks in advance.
8:55
